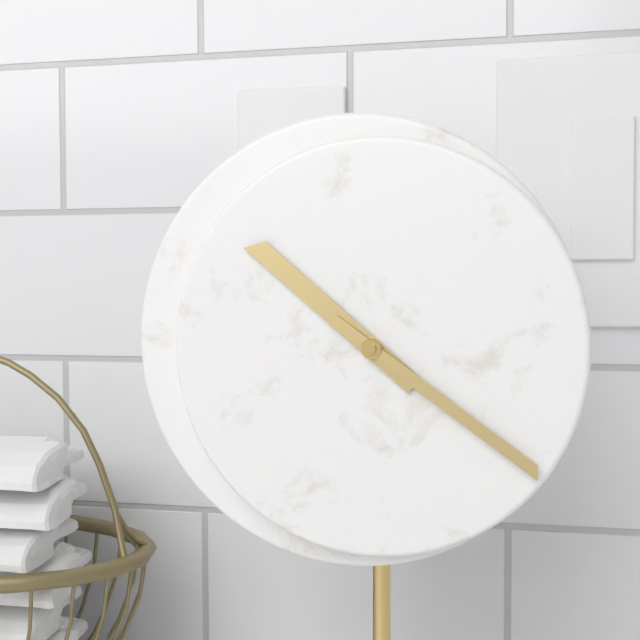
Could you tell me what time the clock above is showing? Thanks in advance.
10:21
